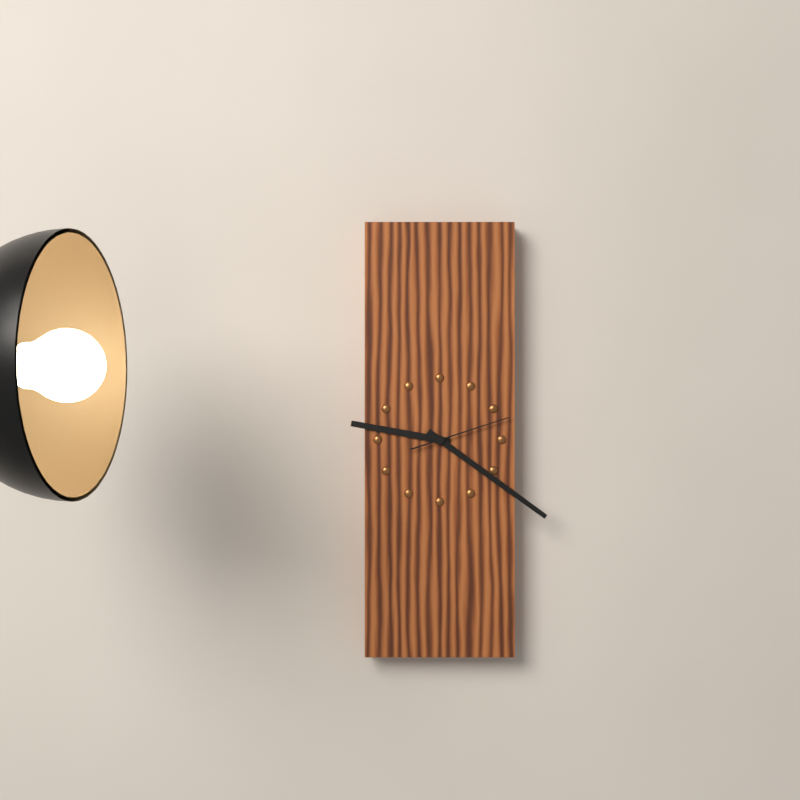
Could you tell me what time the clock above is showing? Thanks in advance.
9:21:12
